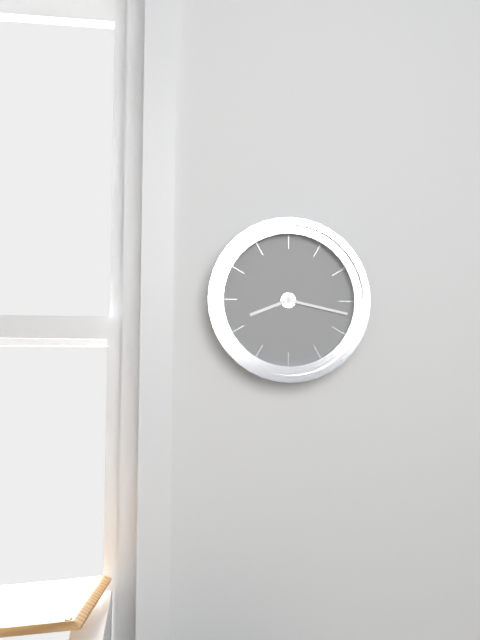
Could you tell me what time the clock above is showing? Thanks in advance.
8:17
